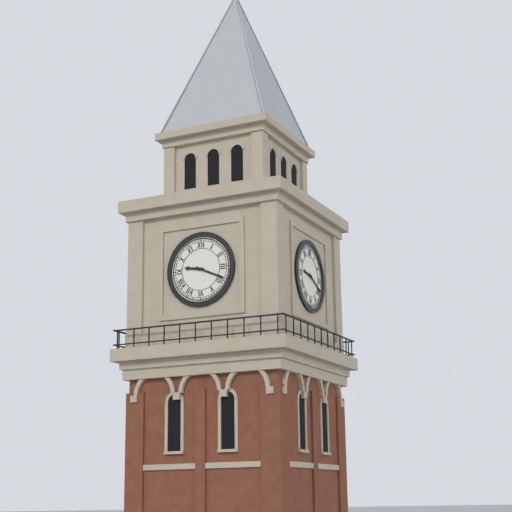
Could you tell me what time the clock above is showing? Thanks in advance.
9:19
